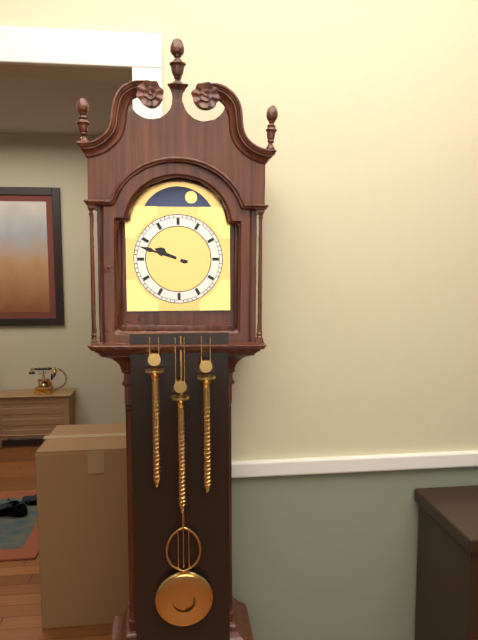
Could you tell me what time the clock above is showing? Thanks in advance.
9:48
